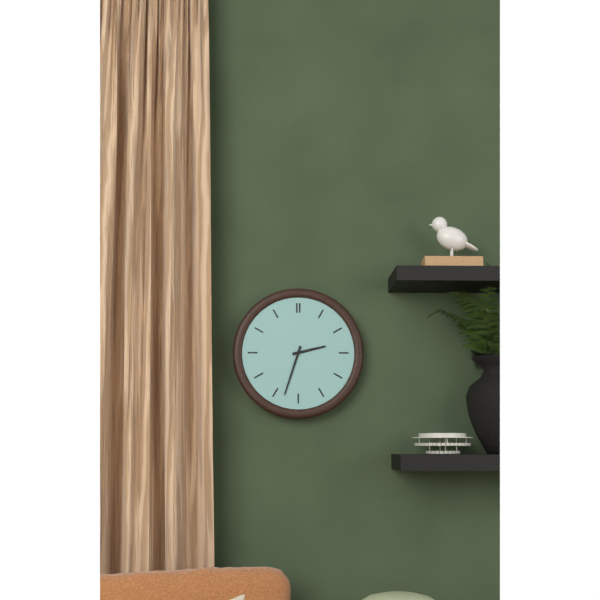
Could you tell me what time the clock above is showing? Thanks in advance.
2:33
